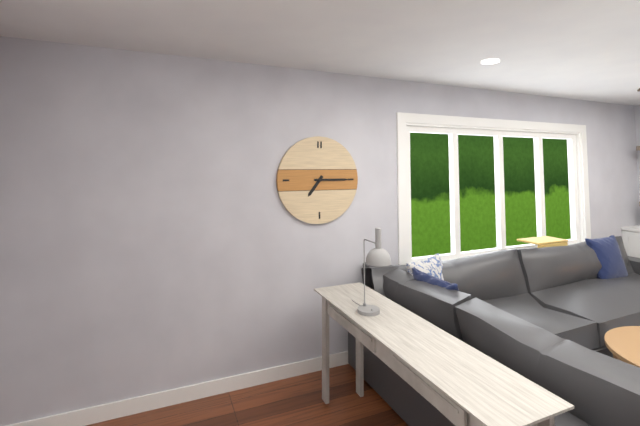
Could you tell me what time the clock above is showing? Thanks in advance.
7:15
